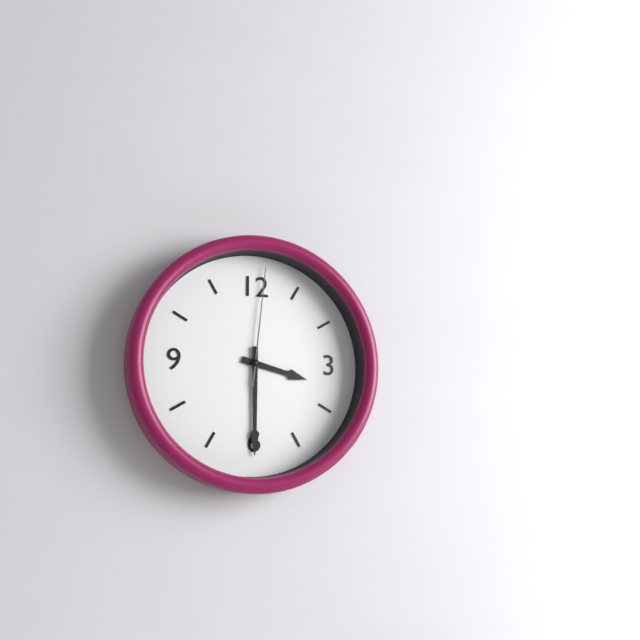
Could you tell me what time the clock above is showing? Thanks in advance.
3:30:01
